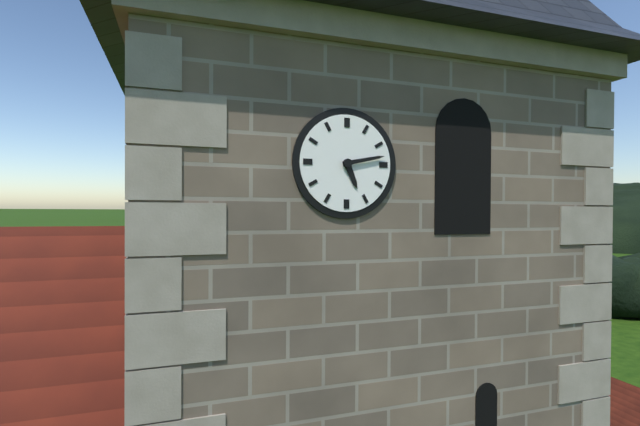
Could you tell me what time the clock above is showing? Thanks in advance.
5:13
